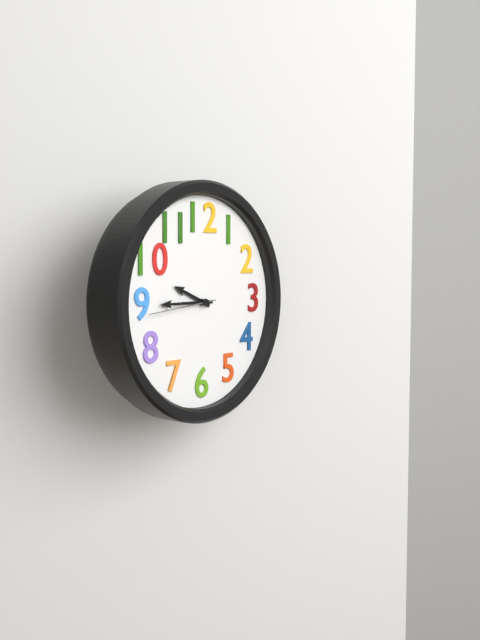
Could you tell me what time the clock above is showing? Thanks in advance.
9:45:44
